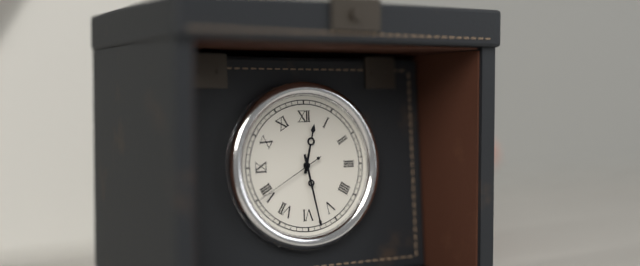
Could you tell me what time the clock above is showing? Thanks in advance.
12:28:40
